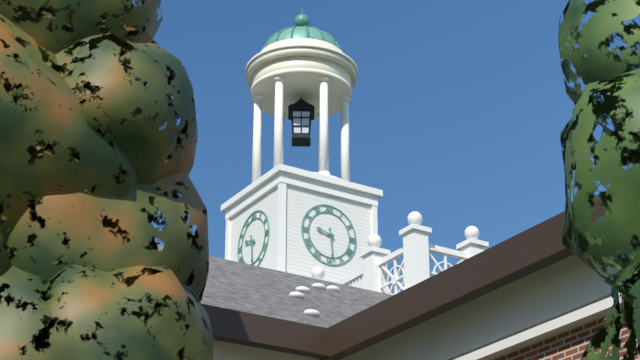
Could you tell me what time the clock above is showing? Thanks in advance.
9:29
